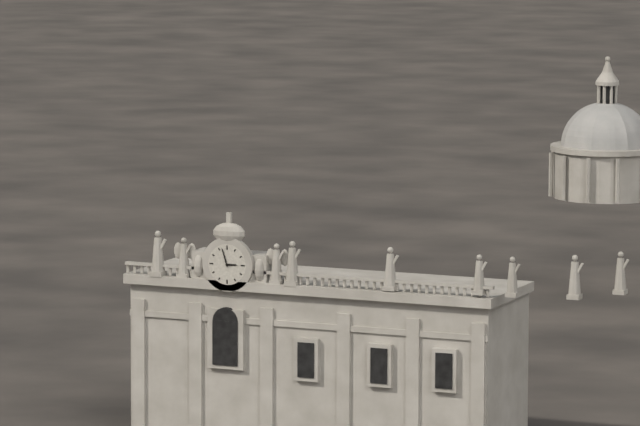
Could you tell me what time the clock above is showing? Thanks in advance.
2:57
